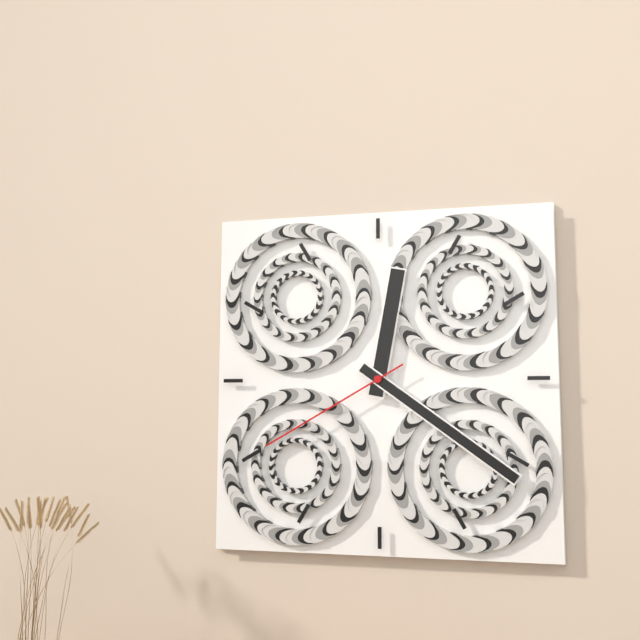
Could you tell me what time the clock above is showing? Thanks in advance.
12:21:40
